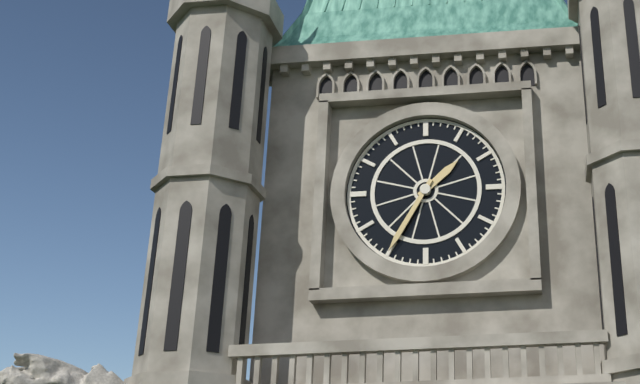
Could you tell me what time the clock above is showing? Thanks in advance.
1:35
